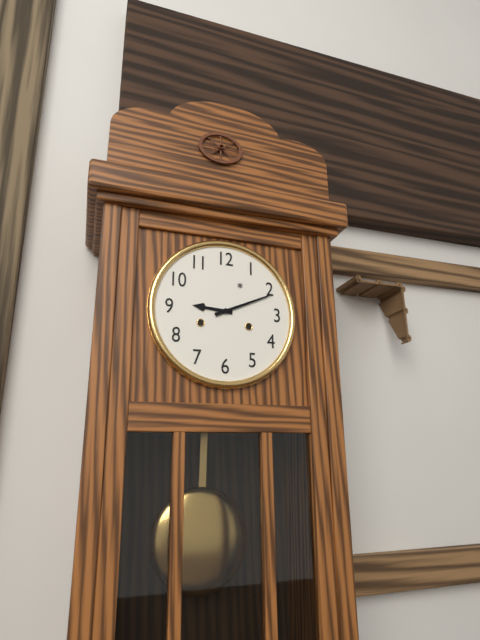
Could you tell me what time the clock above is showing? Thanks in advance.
9:11
